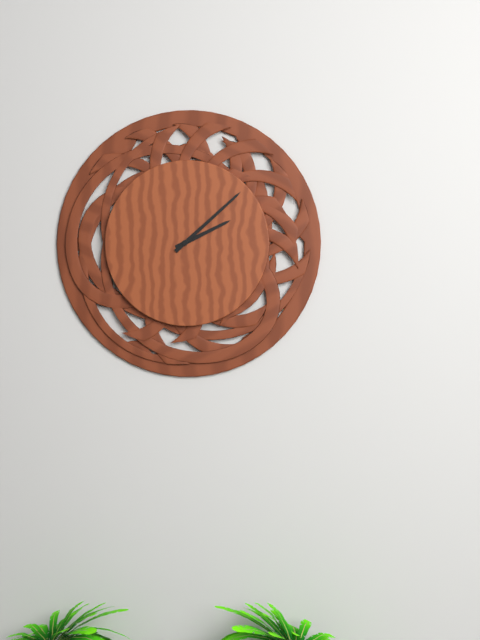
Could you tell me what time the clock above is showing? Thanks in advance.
2:08
